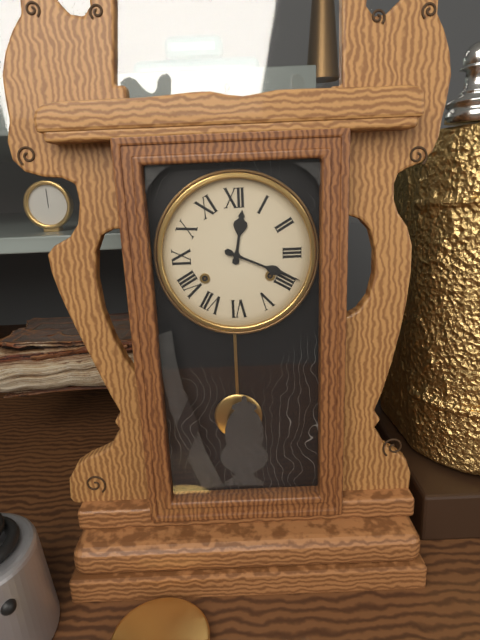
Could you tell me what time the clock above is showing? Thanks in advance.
12:19
